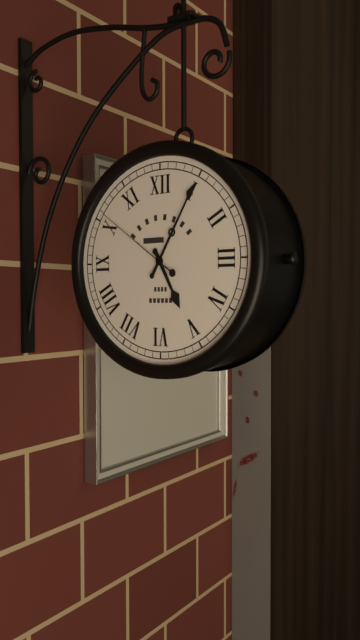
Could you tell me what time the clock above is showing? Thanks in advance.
5:05:51
